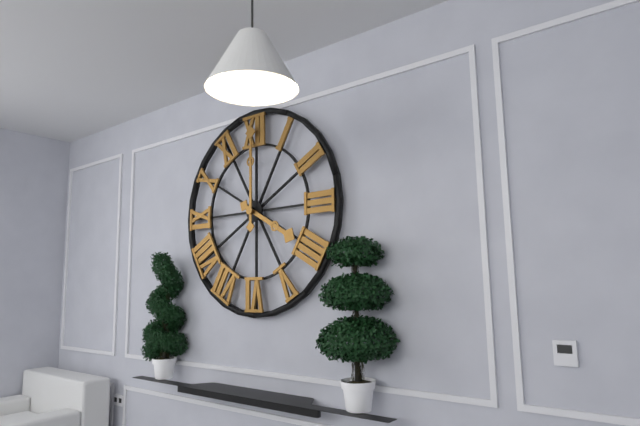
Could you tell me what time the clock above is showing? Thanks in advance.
4:00
